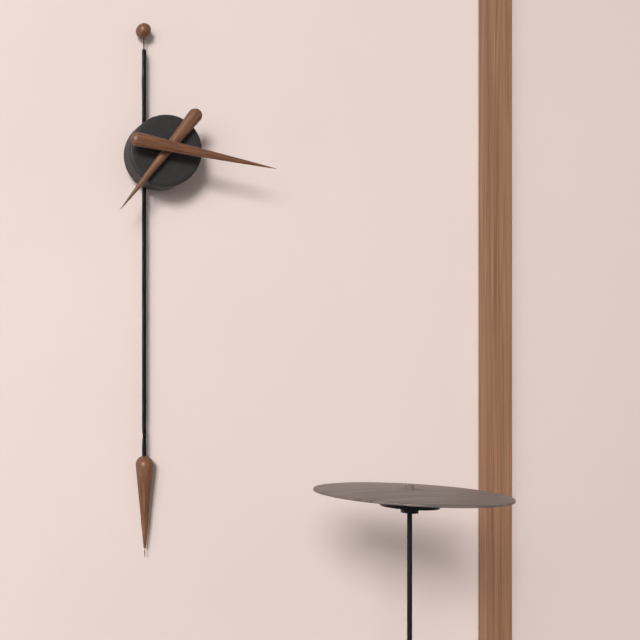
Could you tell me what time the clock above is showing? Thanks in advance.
7:17
